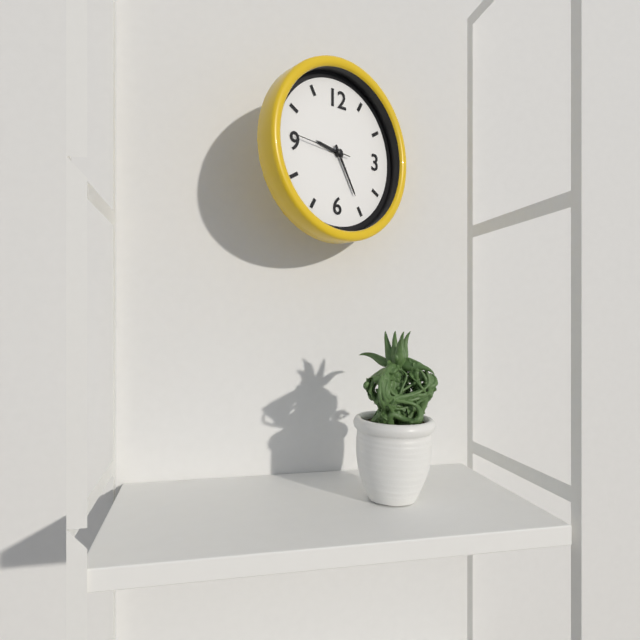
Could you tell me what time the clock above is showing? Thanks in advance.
9:25:46
